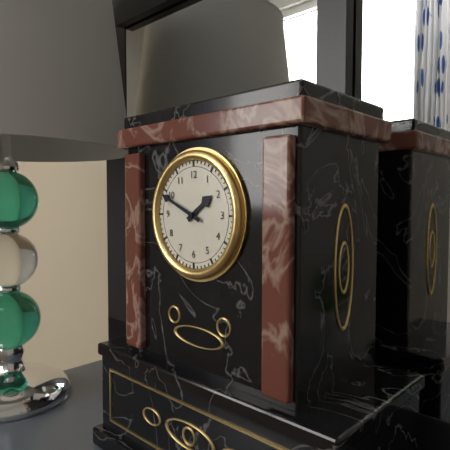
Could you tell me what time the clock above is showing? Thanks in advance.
1:49
